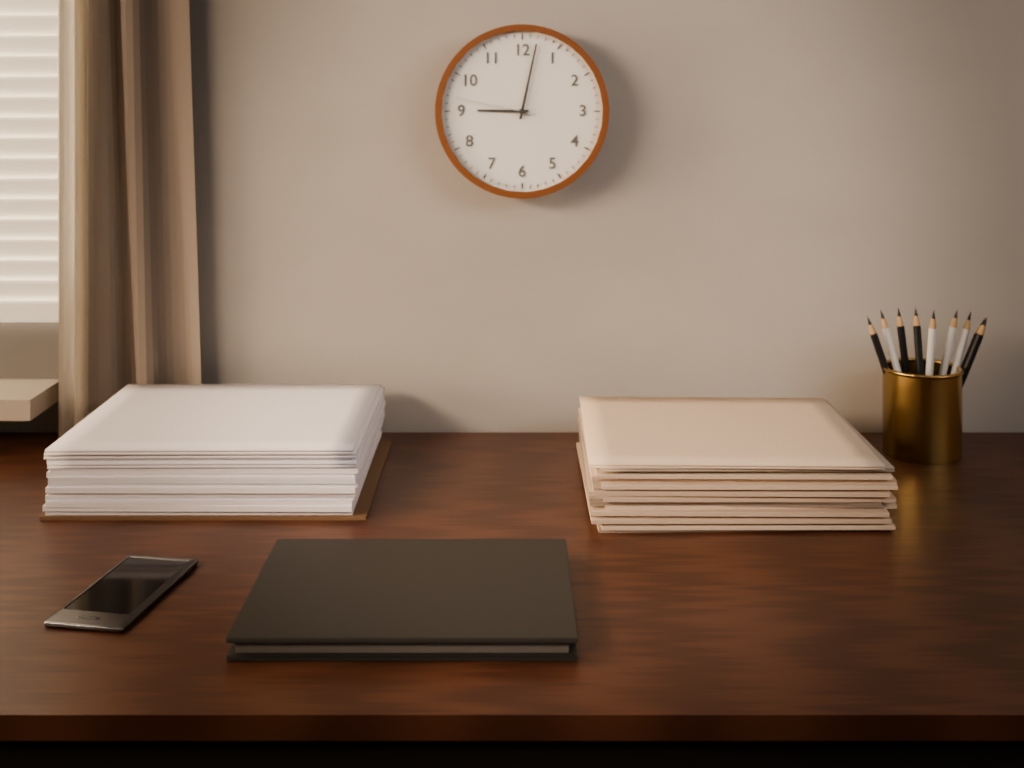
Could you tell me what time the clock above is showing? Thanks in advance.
9:02:47
